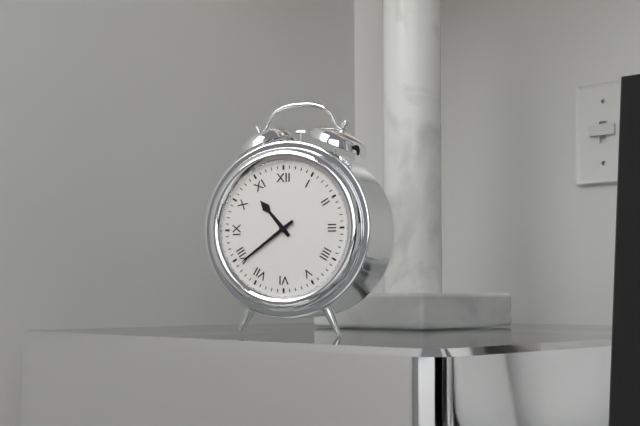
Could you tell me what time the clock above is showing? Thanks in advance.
10:39
